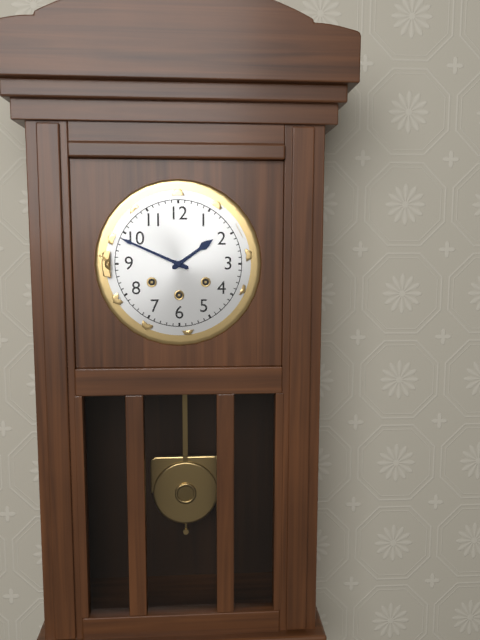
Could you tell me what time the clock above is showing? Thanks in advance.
1:49
